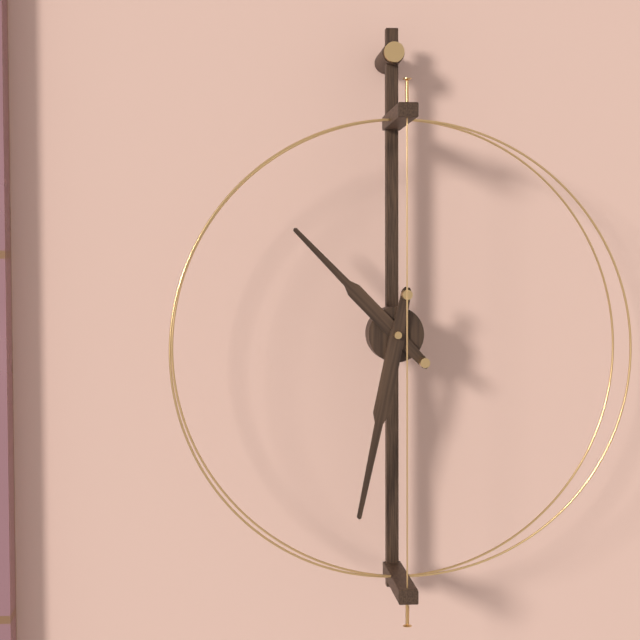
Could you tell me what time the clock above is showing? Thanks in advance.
10:32
